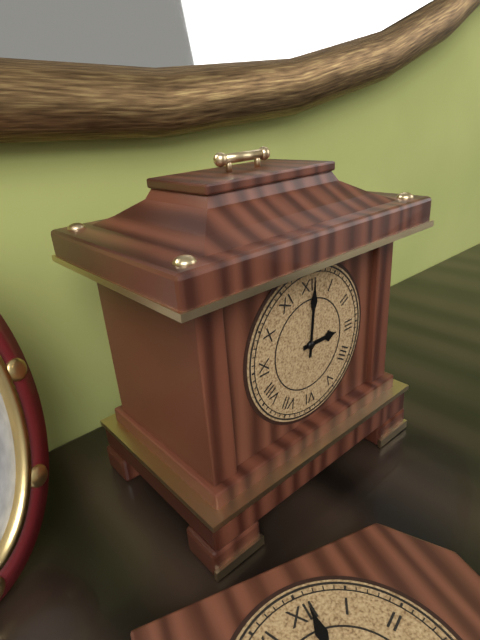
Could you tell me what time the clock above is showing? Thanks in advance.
3:01
